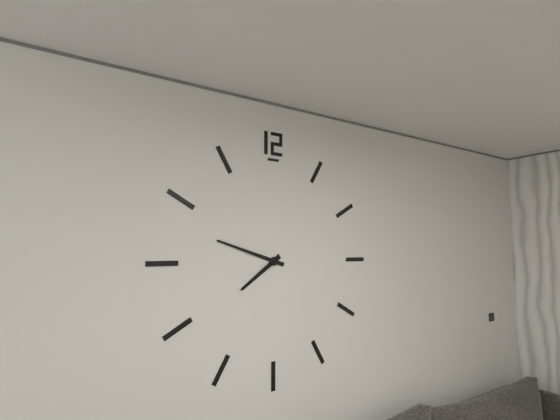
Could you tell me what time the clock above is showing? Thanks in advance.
7:48
